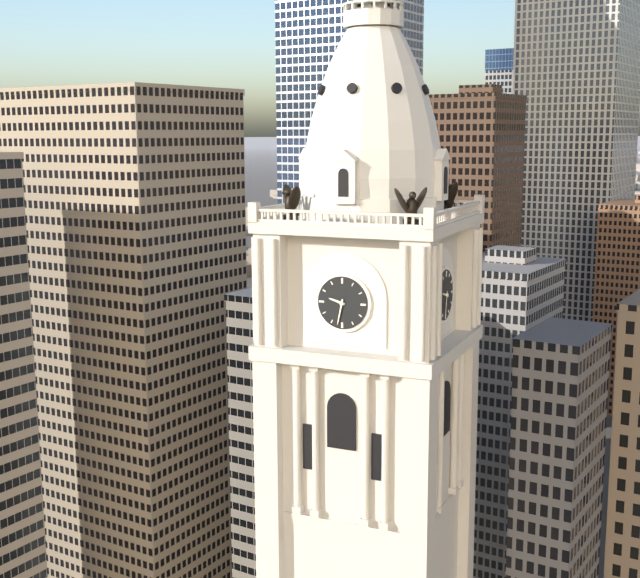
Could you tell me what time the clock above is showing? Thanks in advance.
9:32
